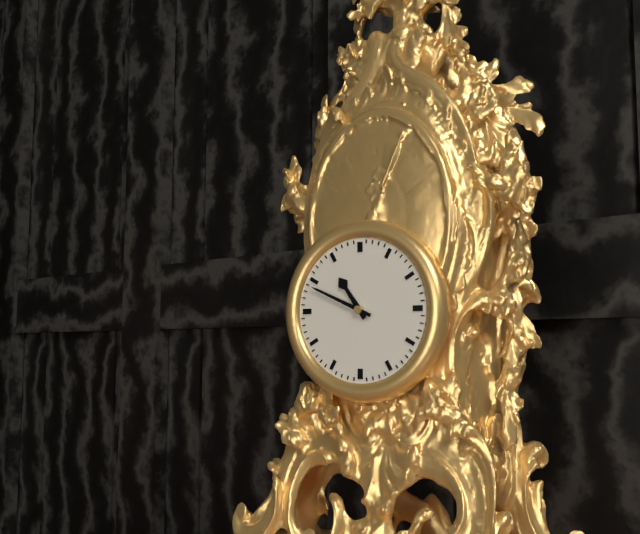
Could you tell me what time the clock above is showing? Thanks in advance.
10:49
